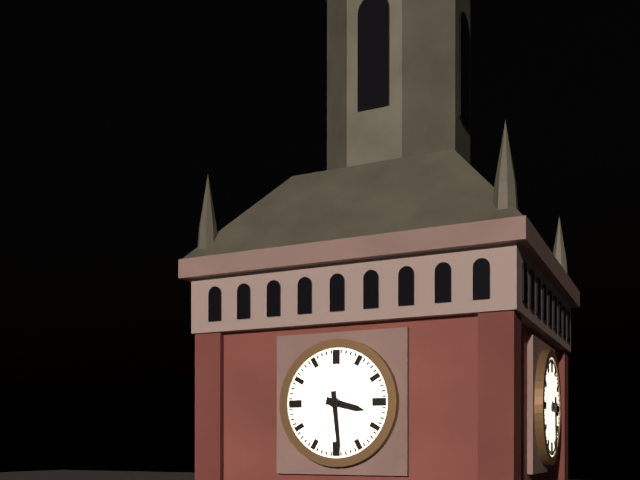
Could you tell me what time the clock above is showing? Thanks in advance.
3:29
